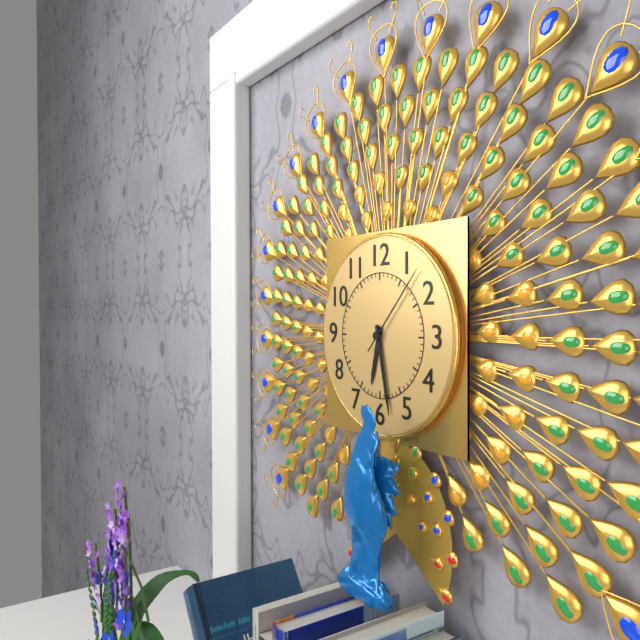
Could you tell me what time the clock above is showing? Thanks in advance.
6:28:07
